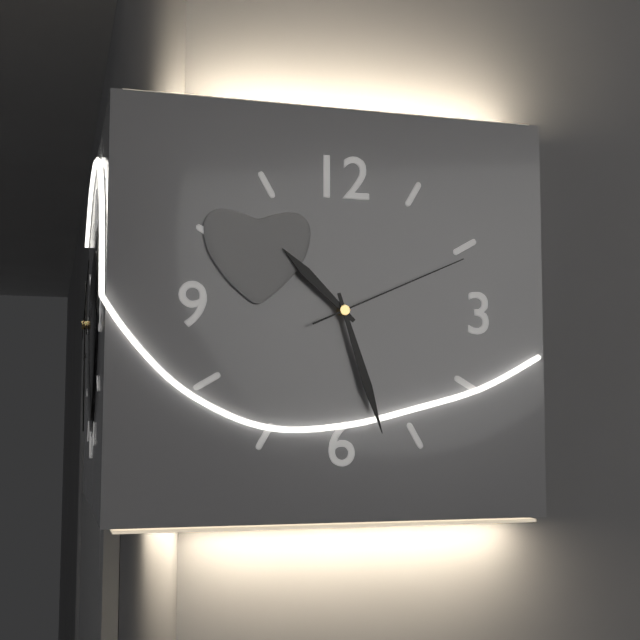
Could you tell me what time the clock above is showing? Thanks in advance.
10:27:11
